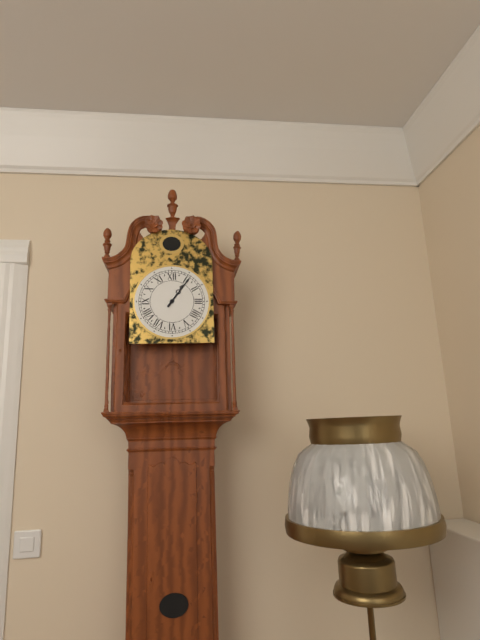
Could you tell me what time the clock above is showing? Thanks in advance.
1:06
